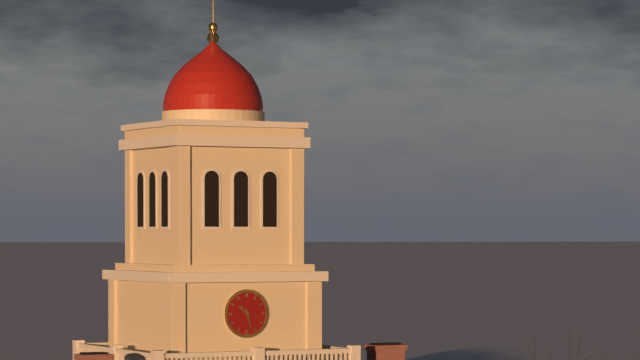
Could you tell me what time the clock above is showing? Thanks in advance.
10:27
